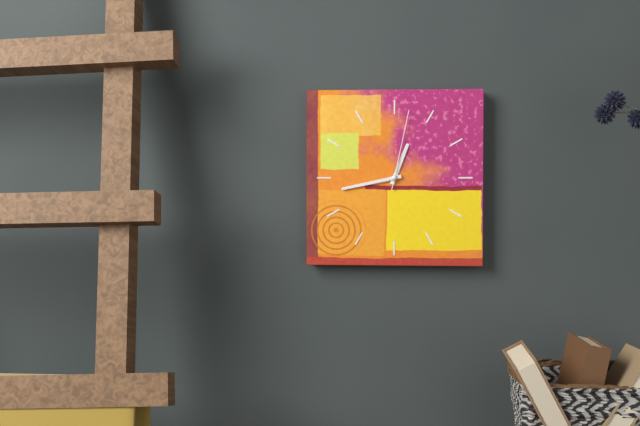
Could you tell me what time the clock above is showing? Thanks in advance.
12:43:02
